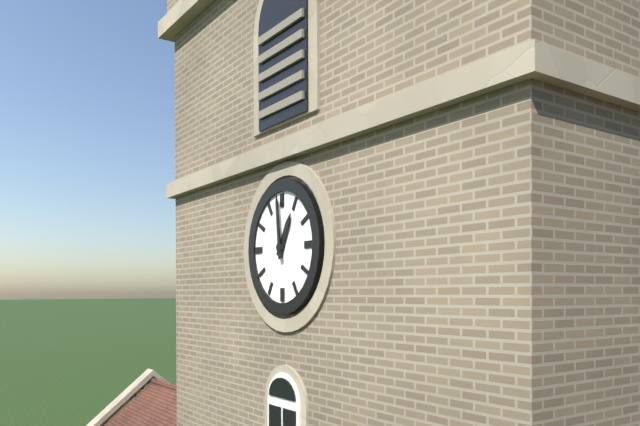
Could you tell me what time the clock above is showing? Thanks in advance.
12:59
